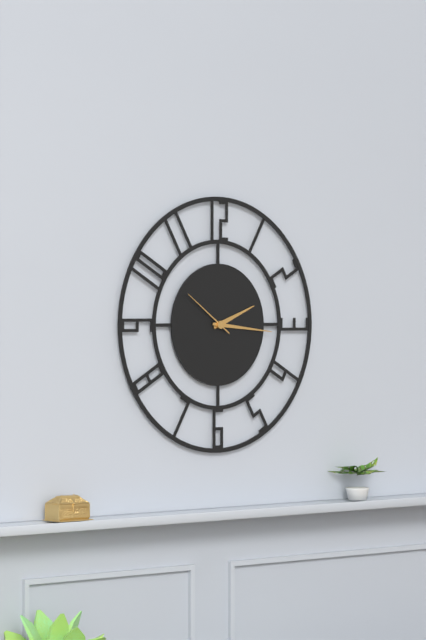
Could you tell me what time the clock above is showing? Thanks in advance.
2:16:51
